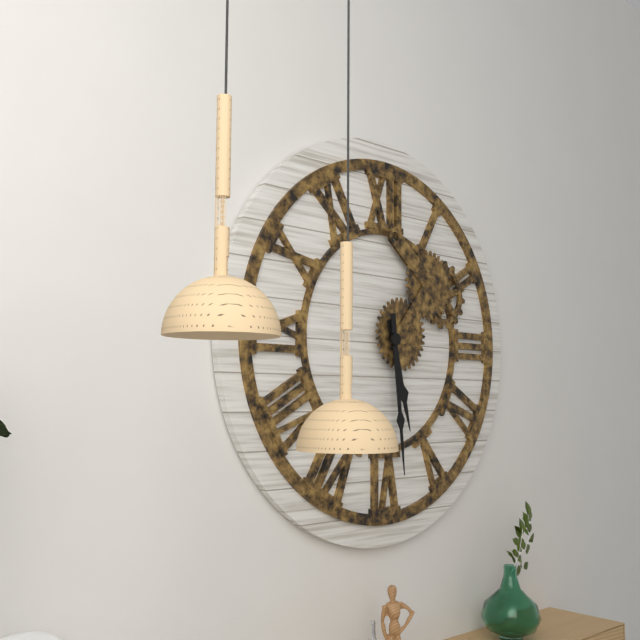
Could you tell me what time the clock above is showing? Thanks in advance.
5:29
